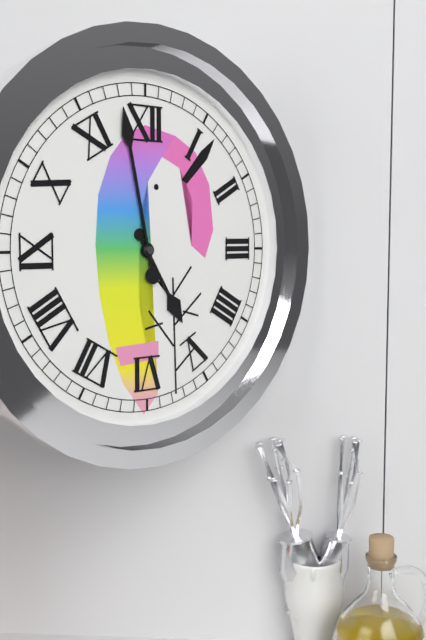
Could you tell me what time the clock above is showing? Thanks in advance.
4:58
